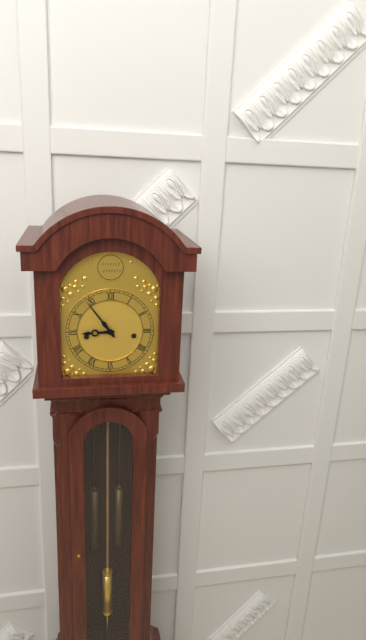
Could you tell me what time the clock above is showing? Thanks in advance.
8:54
